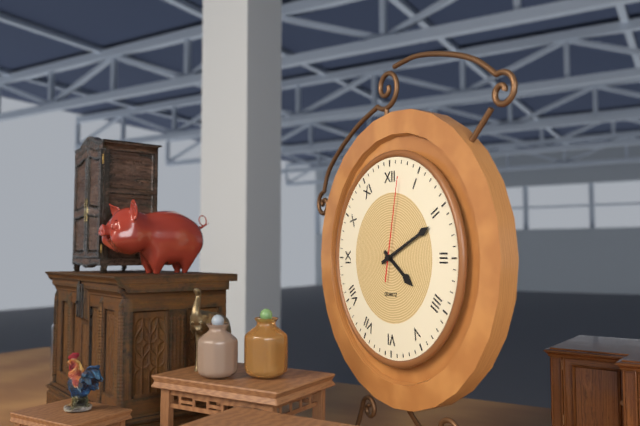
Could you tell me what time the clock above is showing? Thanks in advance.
4:11:02
